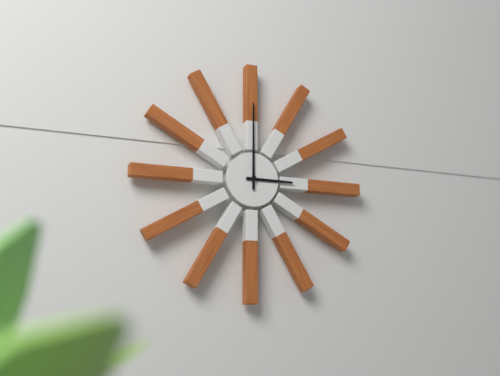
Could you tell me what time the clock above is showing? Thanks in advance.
3:00
